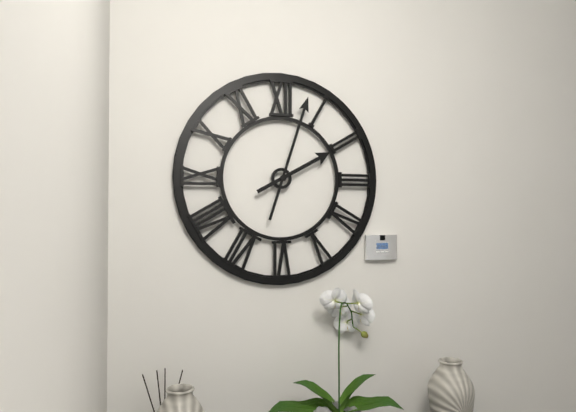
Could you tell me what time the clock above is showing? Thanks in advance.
2:03
